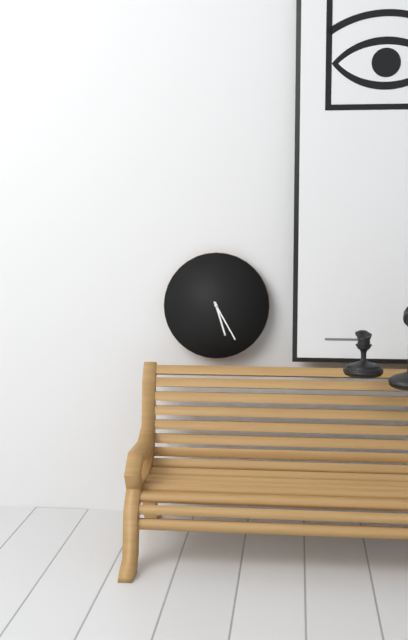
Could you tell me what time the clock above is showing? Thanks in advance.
5:25
